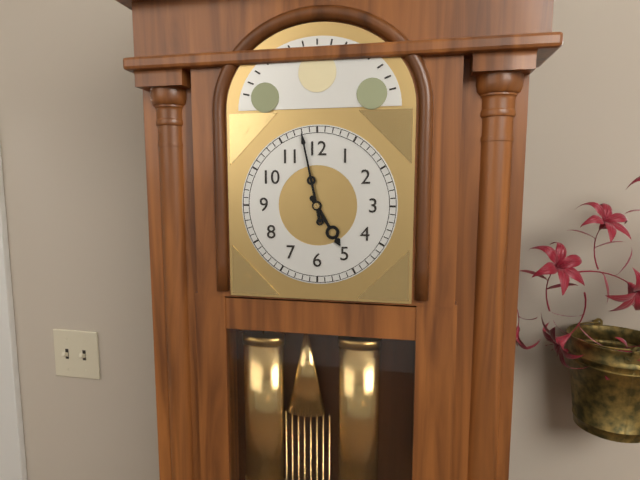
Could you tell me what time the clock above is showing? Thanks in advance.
4:58
